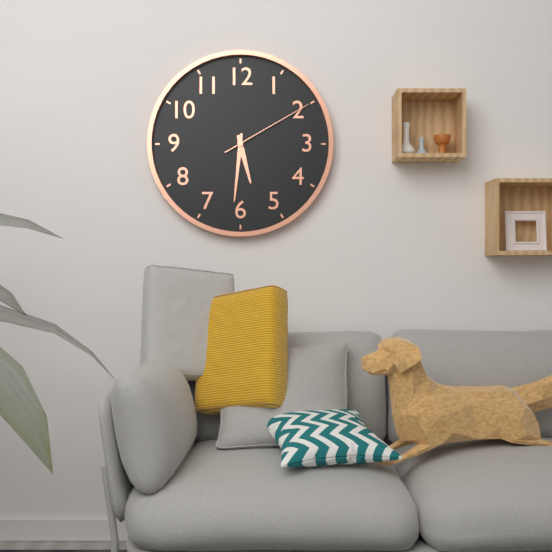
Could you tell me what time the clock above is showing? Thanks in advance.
5:31:10
